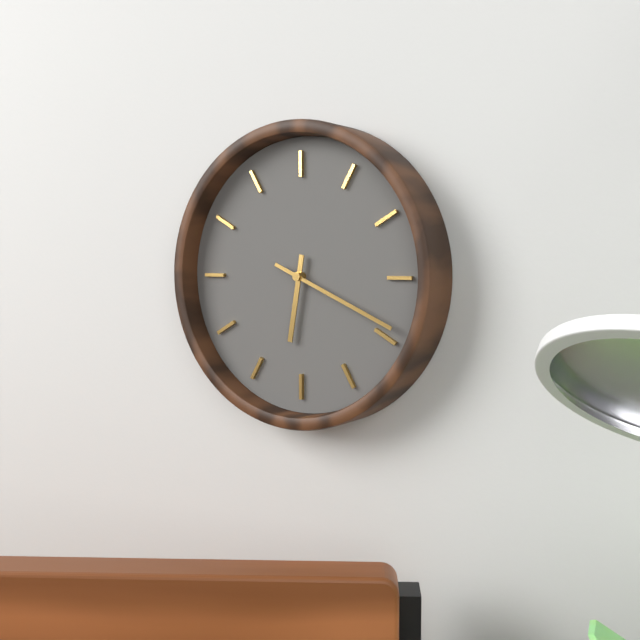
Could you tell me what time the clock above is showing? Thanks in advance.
6:19
